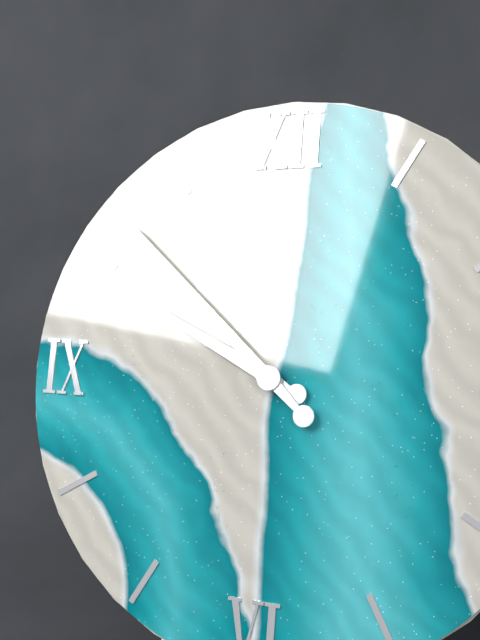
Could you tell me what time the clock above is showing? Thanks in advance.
9:52
